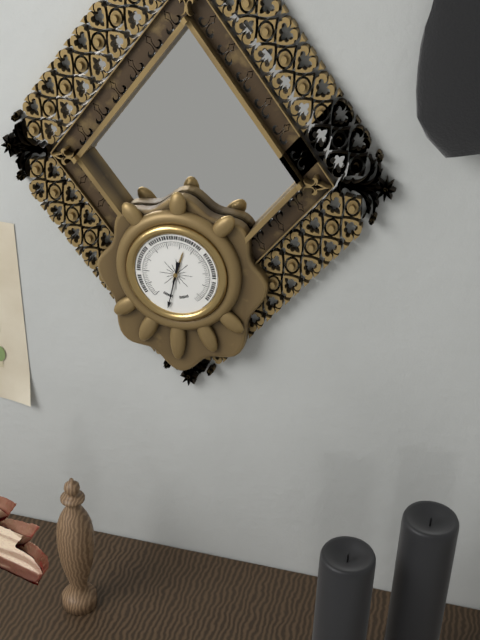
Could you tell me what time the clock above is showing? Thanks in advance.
12:32
